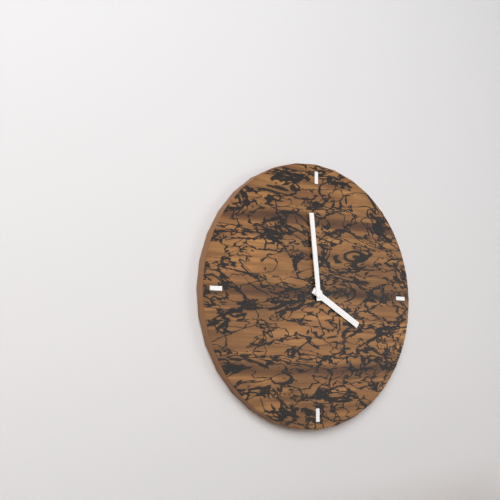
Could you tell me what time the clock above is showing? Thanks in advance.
3:59
